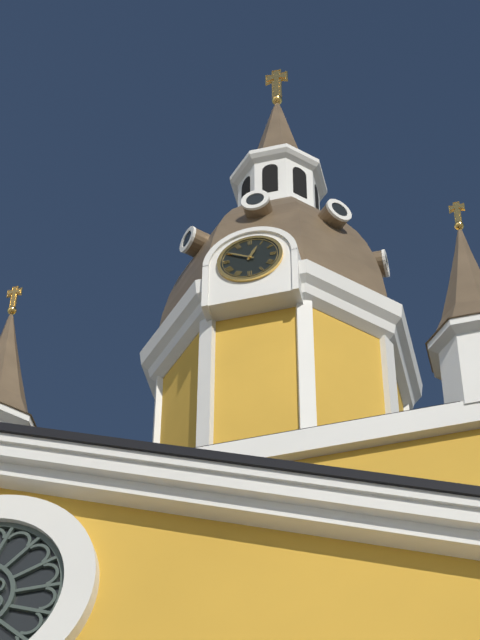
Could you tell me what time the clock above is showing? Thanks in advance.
12:50
